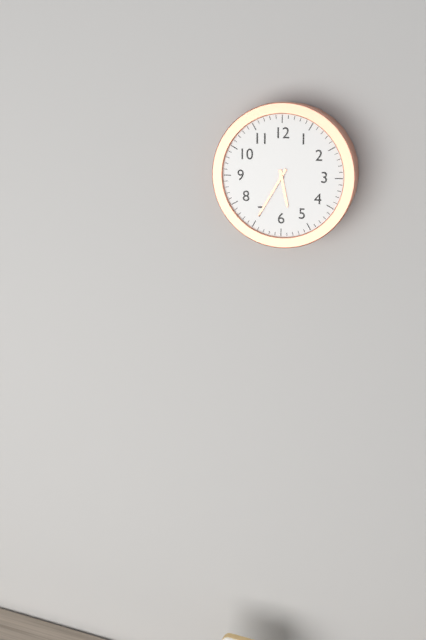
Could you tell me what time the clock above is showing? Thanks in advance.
5:35
